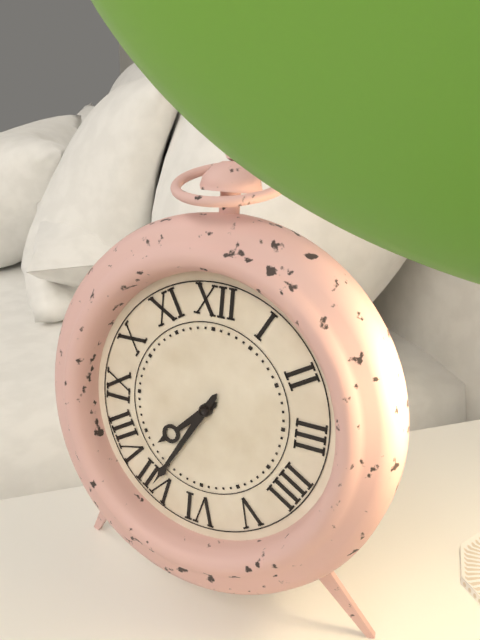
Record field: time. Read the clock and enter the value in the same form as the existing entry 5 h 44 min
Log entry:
7 h 35 min
